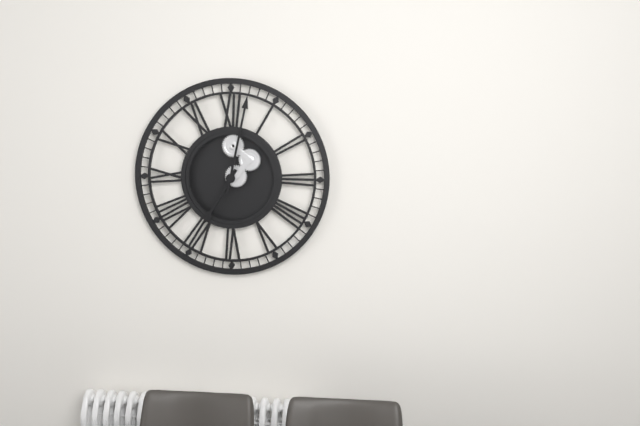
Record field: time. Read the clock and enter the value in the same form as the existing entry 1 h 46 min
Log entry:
7 h 02 min
